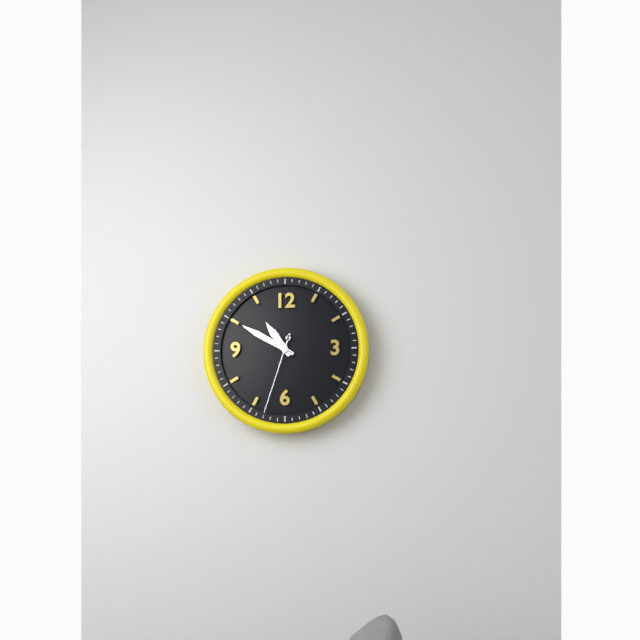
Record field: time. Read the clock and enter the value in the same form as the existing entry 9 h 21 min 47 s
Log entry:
10 h 50 min 33 s
